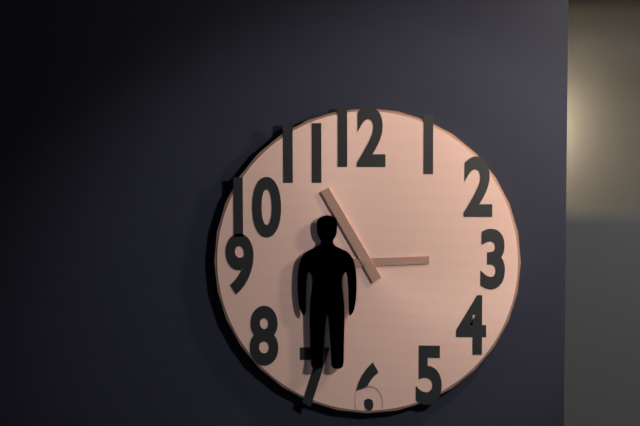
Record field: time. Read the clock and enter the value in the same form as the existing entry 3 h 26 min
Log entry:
2 h 55 min
